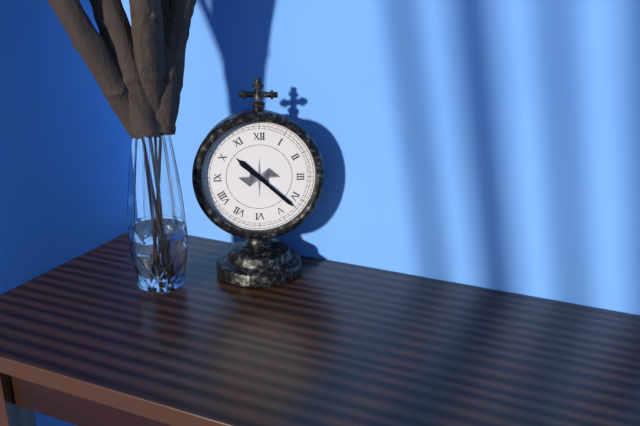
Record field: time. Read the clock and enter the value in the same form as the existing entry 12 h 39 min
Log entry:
10 h 22 min
